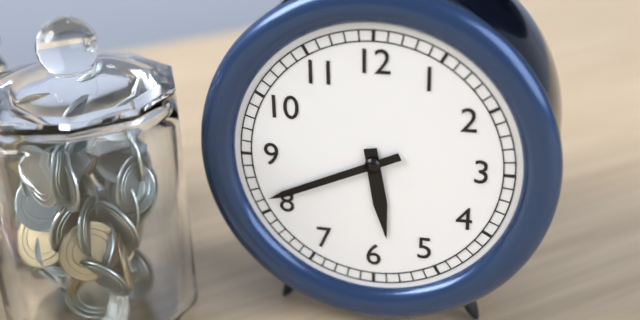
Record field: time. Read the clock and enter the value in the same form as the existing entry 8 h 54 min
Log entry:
5 h 41 min
